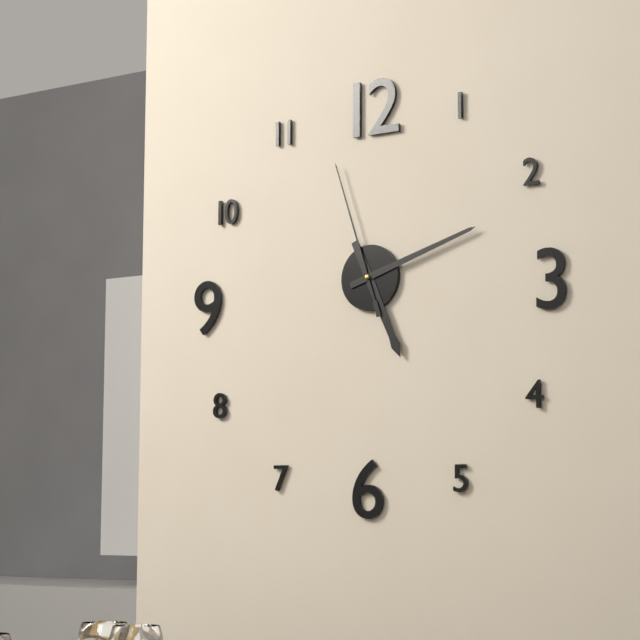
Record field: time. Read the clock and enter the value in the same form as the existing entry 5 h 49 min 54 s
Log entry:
5 h 12 min 57 s
